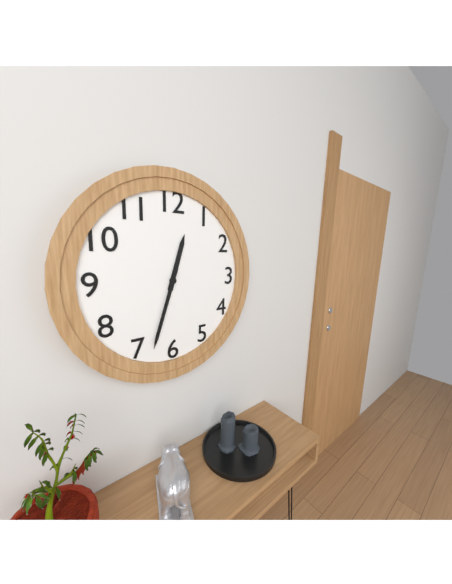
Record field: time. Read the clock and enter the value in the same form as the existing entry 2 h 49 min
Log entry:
12 h 33 min
